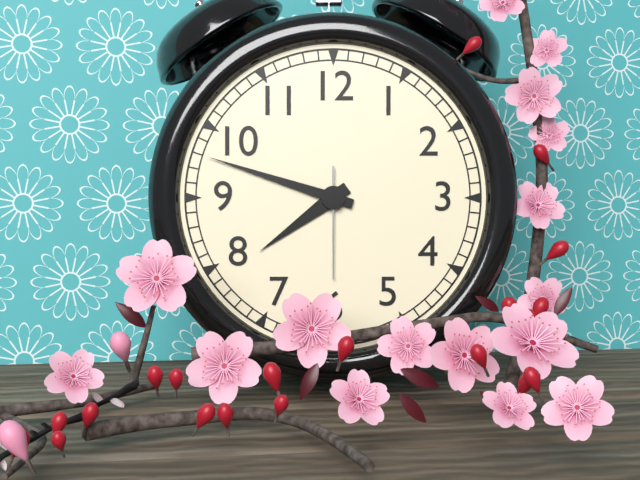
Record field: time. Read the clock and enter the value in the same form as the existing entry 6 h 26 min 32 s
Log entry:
7 h 48 min 30 s
